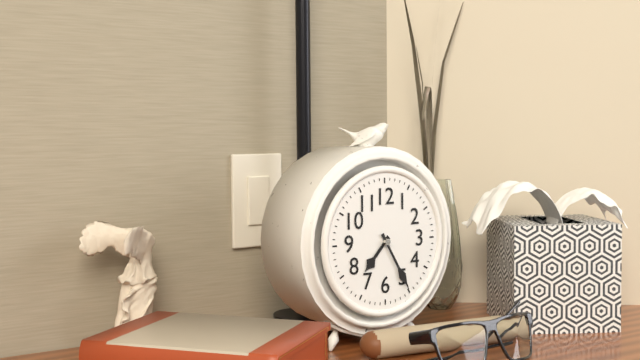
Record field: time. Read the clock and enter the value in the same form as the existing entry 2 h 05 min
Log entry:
7 h 25 min
